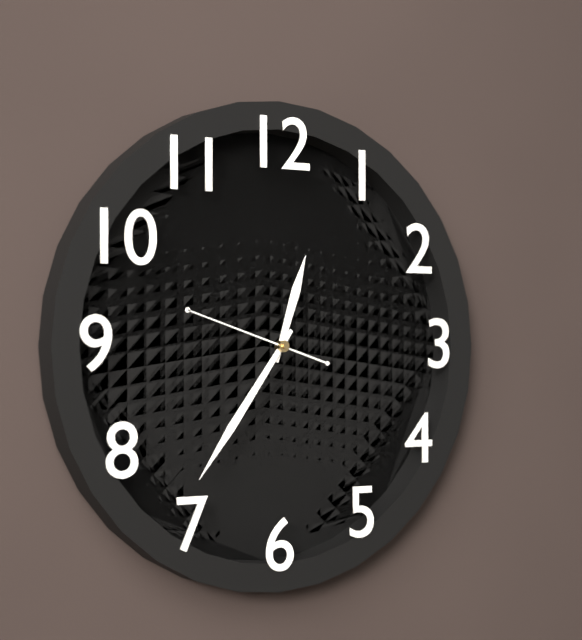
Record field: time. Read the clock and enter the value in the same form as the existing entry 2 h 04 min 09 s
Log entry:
12 h 36 min 48 s
